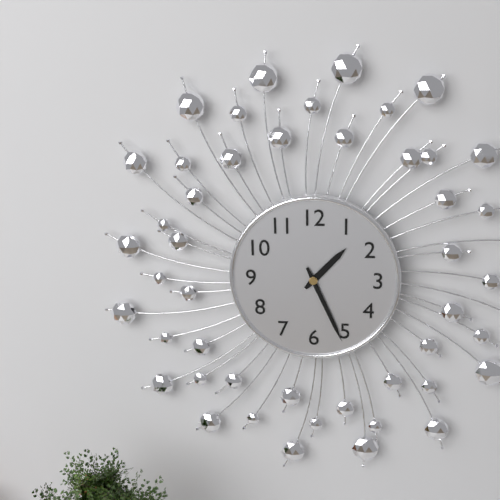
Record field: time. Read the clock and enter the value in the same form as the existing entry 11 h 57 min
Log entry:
1 h 26 min
